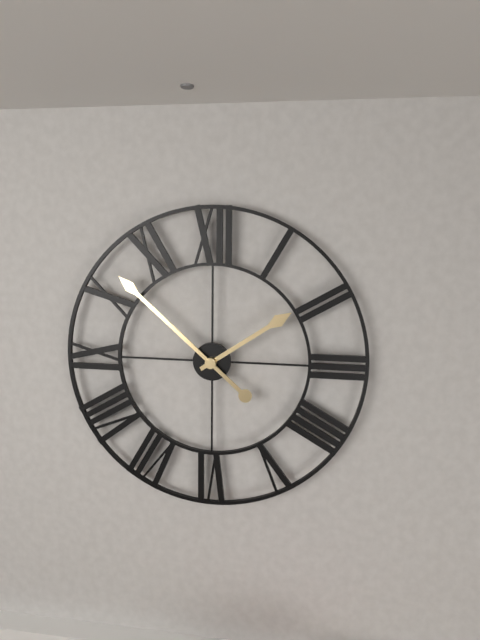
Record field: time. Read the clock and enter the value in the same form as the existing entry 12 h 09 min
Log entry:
1 h 52 min
